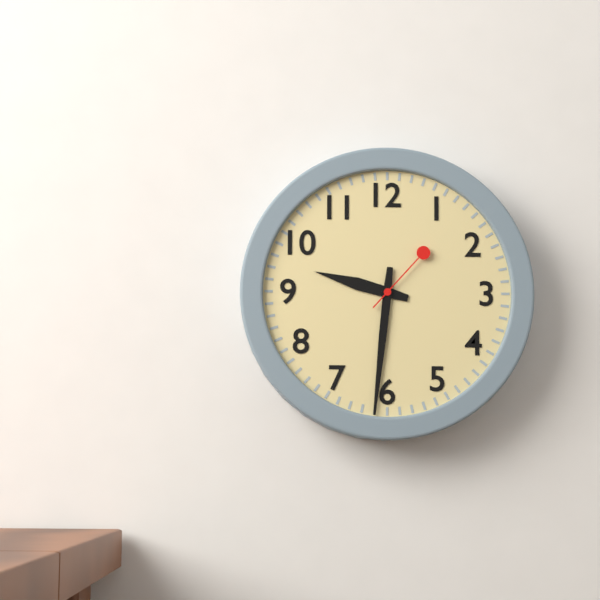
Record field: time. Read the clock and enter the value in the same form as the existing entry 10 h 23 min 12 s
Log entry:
9 h 31 min 07 s
